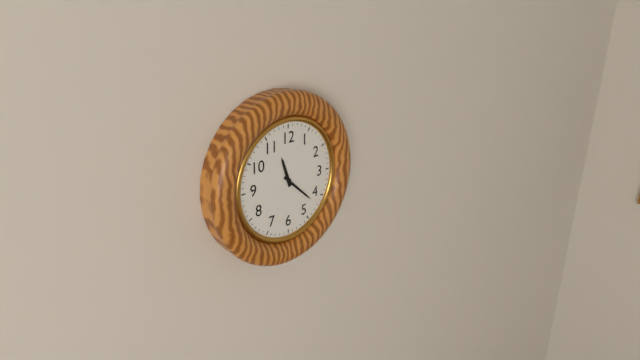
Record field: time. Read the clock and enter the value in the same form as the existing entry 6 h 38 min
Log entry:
11 h 22 min
